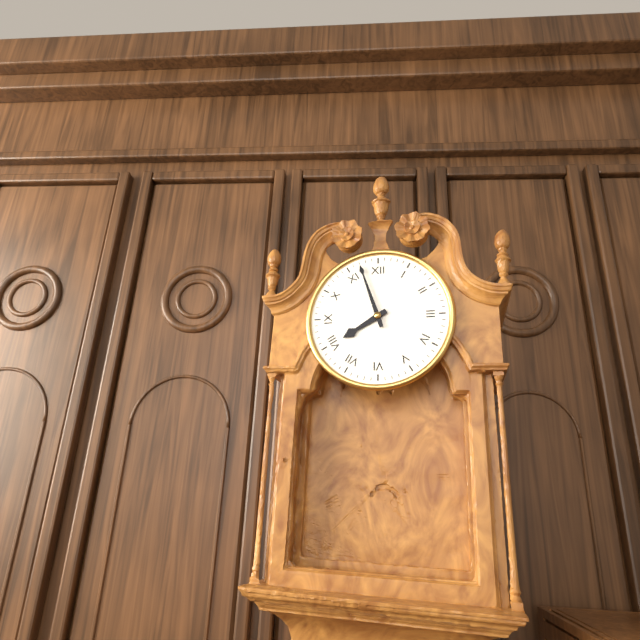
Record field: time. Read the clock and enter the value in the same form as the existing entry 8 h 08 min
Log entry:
7 h 57 min
